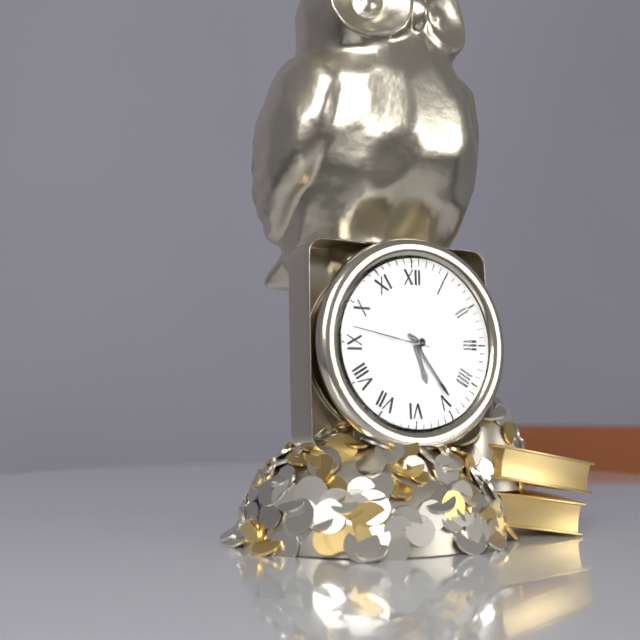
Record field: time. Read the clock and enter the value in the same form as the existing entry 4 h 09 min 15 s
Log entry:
5 h 24 min 47 s
